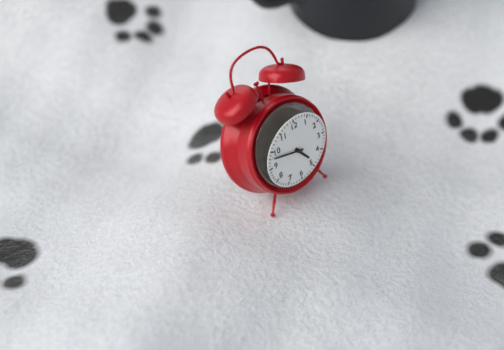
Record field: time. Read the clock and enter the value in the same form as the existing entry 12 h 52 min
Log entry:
4 h 48 min
